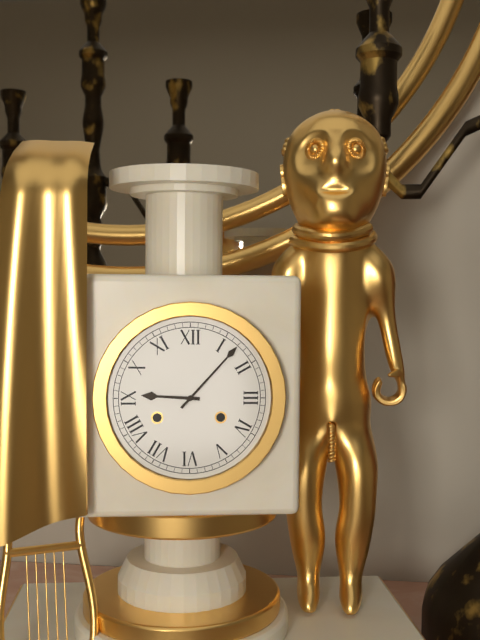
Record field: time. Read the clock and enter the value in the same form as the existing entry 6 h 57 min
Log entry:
9 h 07 min
